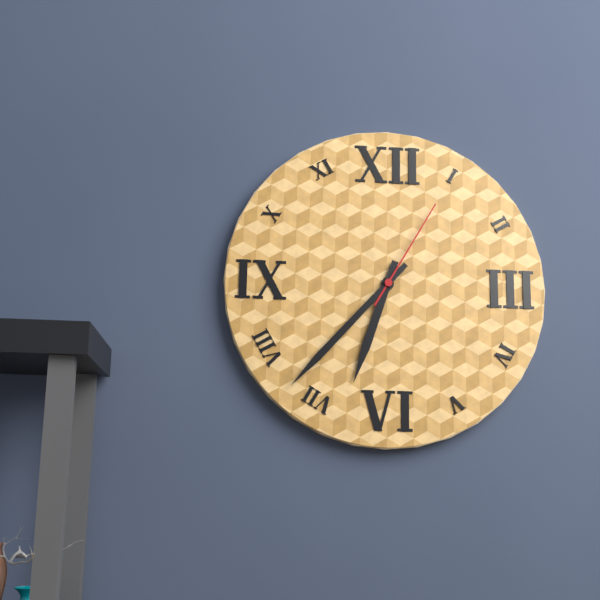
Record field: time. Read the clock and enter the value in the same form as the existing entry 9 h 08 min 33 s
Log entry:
6 h 37 min 05 s
